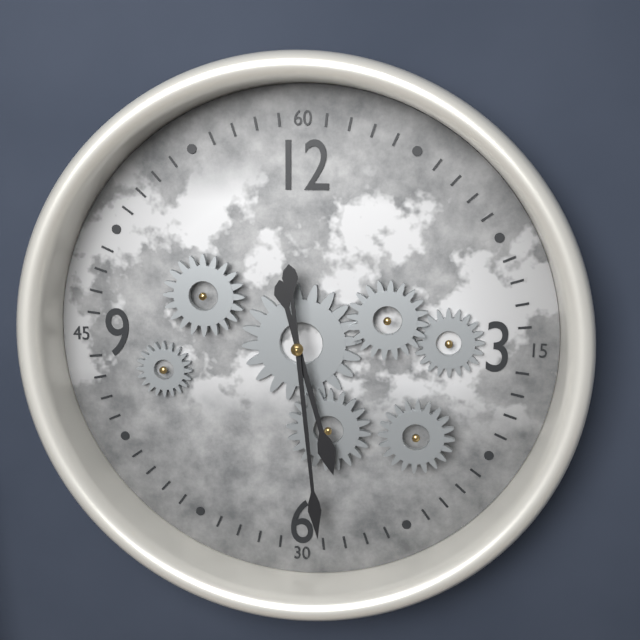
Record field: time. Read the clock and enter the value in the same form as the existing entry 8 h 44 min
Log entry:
5 h 29 min
